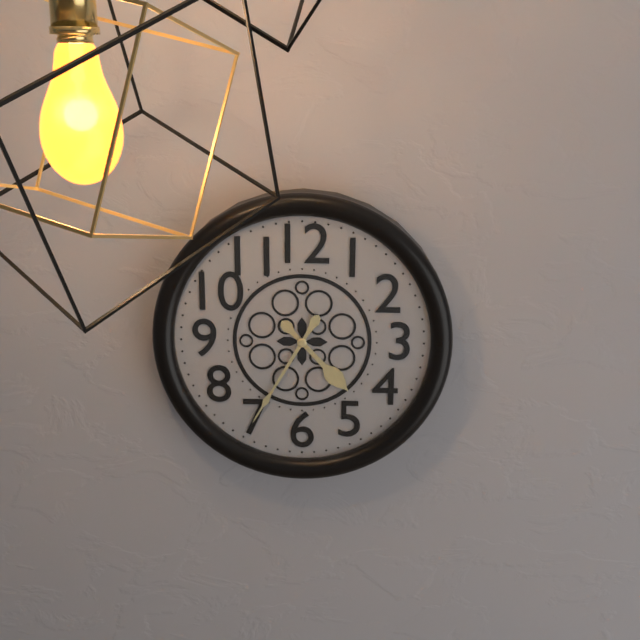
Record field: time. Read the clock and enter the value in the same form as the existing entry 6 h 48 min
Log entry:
4 h 35 min
